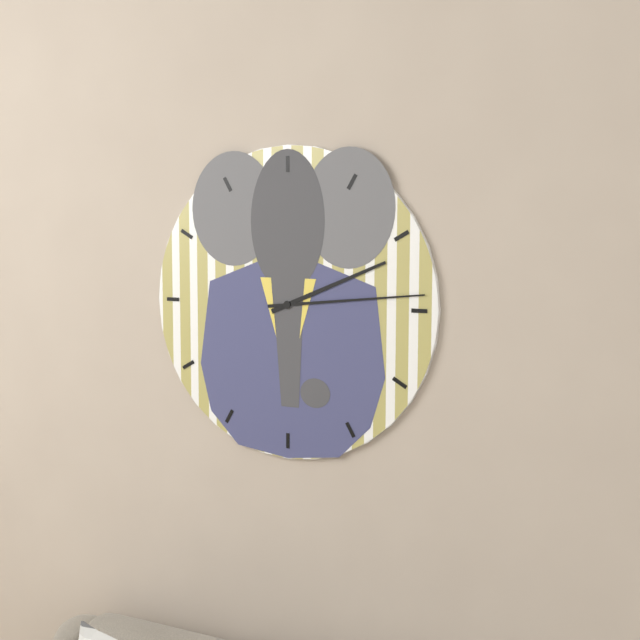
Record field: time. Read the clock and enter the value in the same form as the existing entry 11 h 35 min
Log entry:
2 h 14 min
